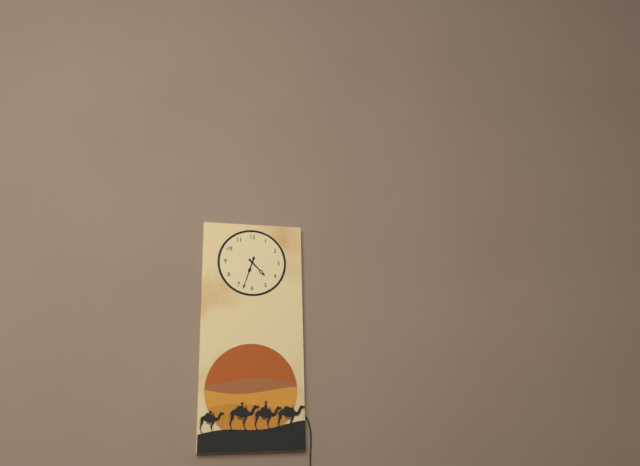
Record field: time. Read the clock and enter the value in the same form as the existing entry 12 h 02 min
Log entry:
4 h 33 min
